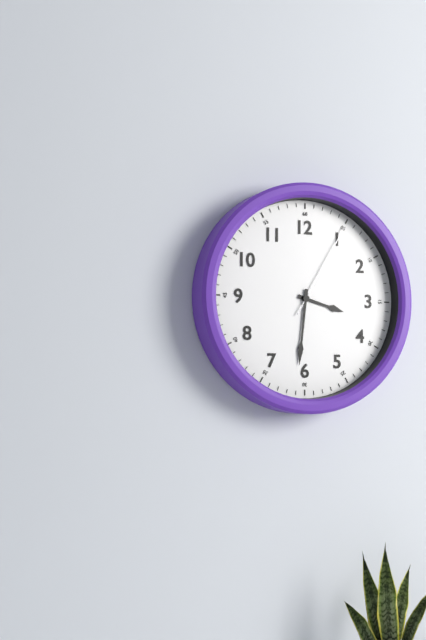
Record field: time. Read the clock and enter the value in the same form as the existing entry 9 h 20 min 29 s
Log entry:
3 h 31 min 05 s
